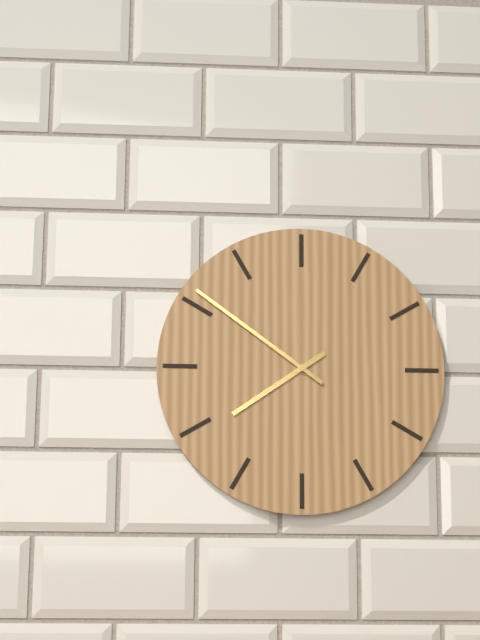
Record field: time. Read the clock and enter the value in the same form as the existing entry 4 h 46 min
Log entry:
7 h 51 min
